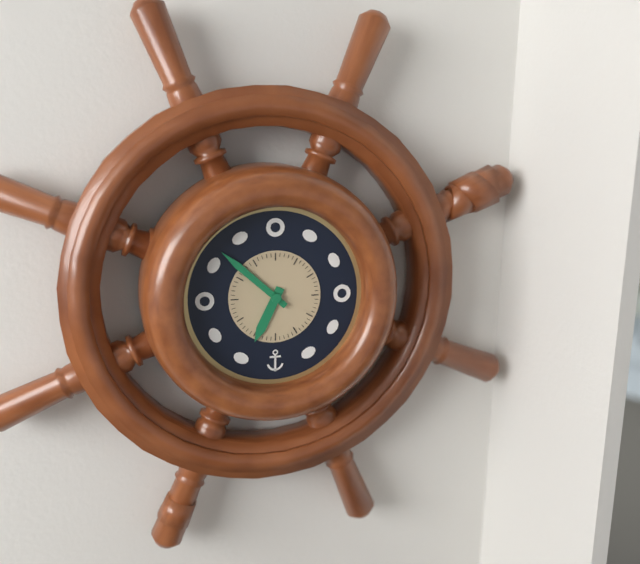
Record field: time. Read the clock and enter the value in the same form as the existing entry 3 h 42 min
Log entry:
6 h 52 min
